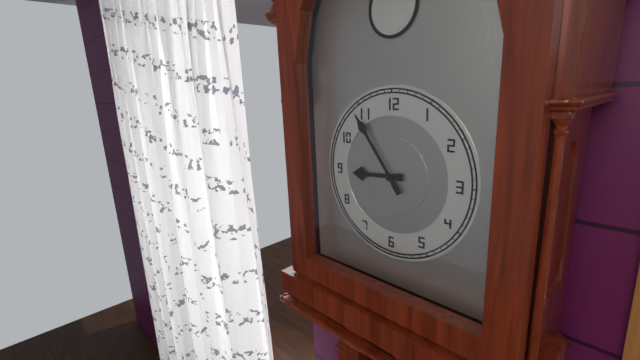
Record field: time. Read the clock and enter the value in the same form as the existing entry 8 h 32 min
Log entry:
8 h 54 min
